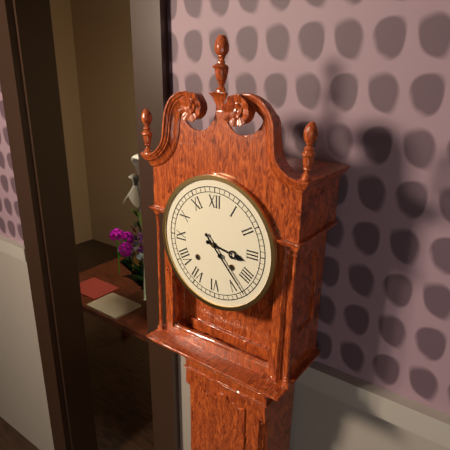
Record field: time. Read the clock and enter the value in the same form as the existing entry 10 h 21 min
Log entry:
3 h 23 min
